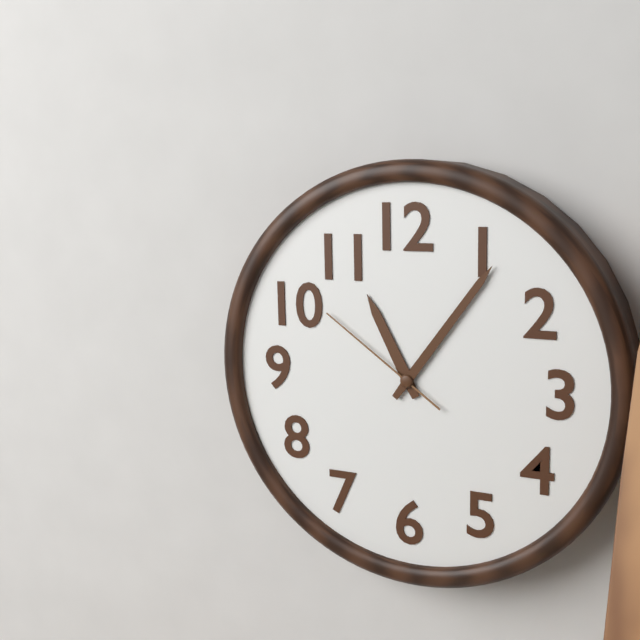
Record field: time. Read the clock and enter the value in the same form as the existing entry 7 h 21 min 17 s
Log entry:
11 h 06 min 51 s
